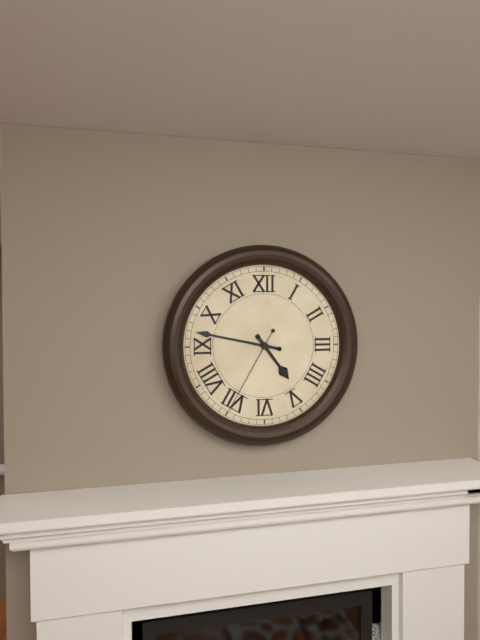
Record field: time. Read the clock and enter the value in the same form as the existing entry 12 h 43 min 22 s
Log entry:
4 h 47 min 35 s
